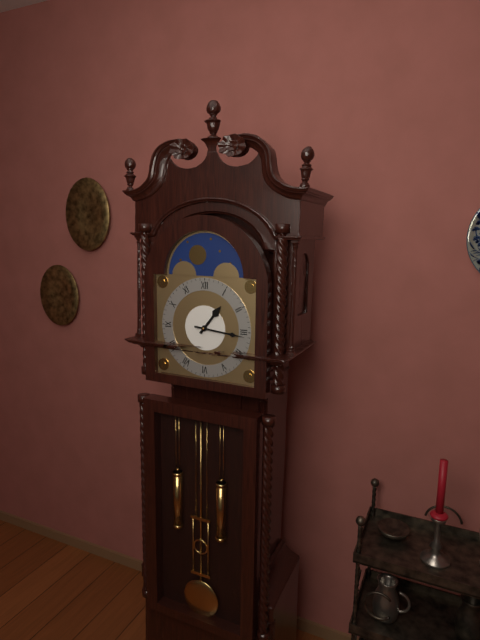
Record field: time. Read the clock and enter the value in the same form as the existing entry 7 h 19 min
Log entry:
1 h 16 min
